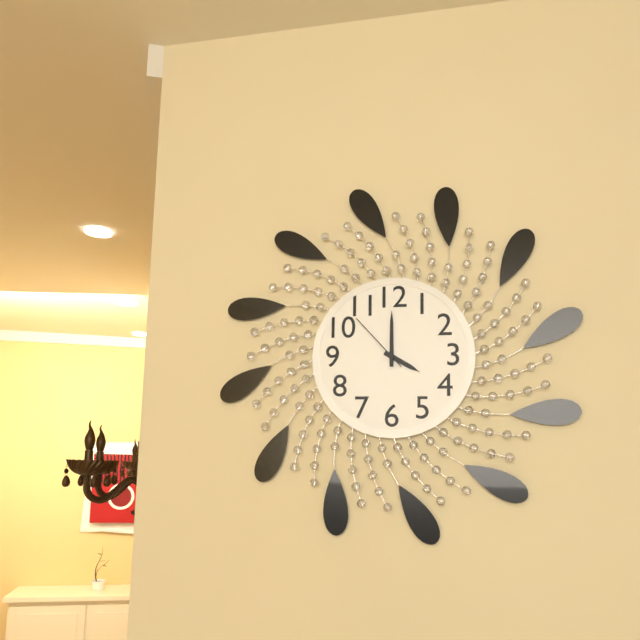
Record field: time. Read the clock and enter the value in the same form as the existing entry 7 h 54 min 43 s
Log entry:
4 h 00 min 53 s
